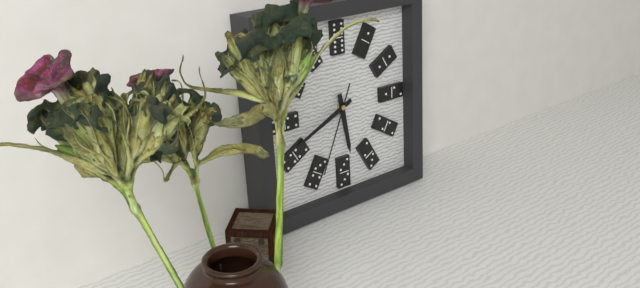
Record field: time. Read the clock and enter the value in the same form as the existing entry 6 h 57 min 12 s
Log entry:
5 h 41 min 34 s
